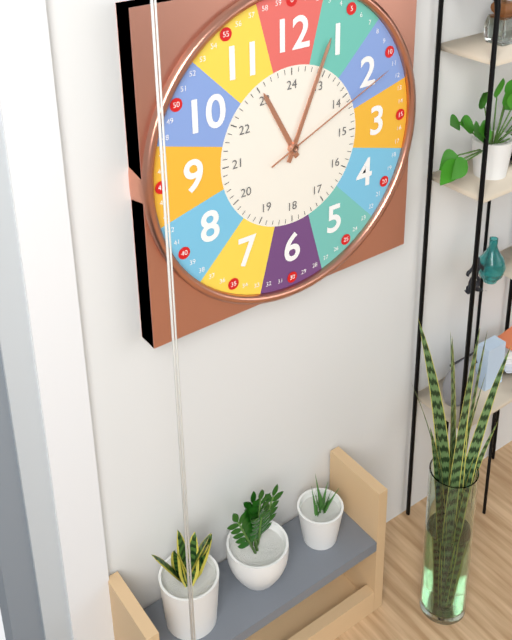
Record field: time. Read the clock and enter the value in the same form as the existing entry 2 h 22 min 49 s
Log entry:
11 h 04 min 11 s
